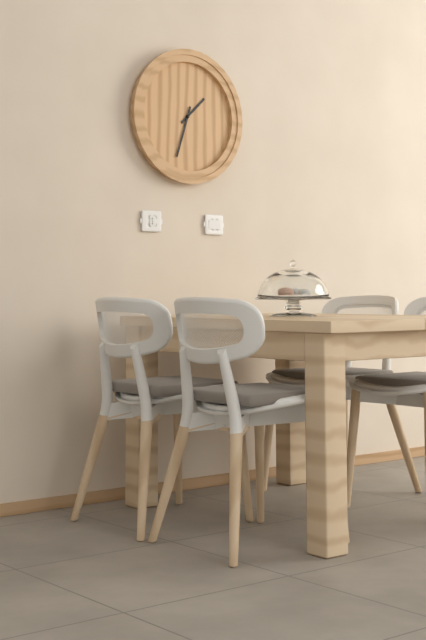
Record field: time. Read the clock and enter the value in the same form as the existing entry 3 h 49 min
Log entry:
1 h 33 min
